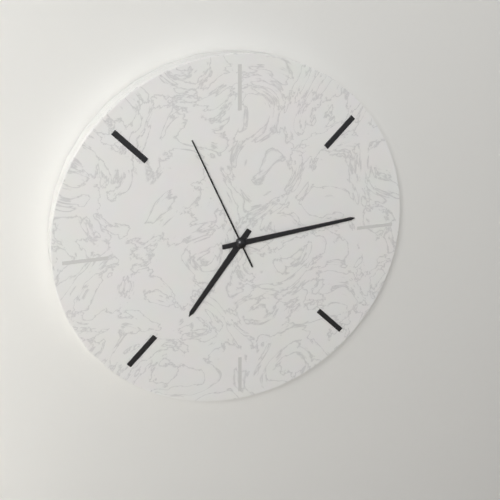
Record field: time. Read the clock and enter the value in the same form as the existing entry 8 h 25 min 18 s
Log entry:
7 h 14 min 56 s
